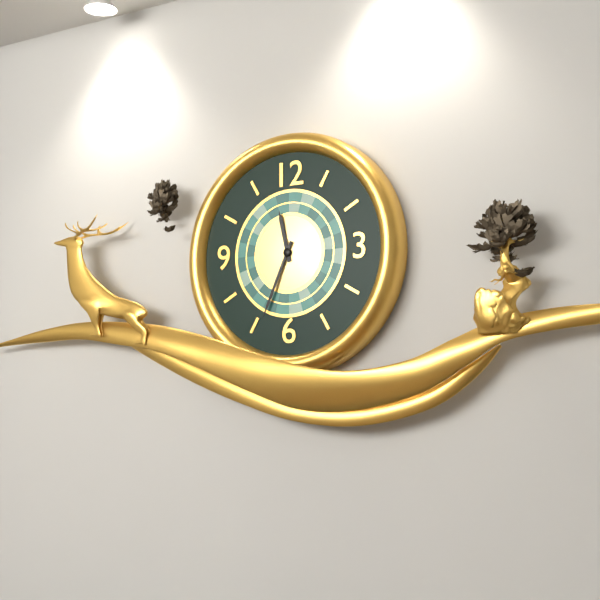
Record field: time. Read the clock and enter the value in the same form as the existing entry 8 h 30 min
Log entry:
11 h 34 min
